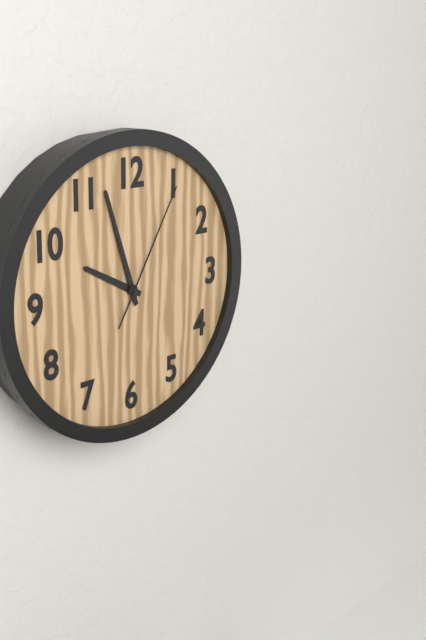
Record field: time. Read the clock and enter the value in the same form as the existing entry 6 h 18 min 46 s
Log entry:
9 h 57 min 05 s
